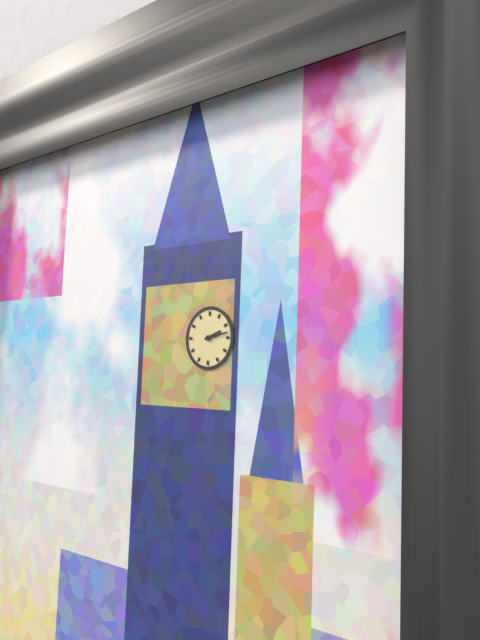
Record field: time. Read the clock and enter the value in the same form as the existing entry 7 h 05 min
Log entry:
2 h 13 min
